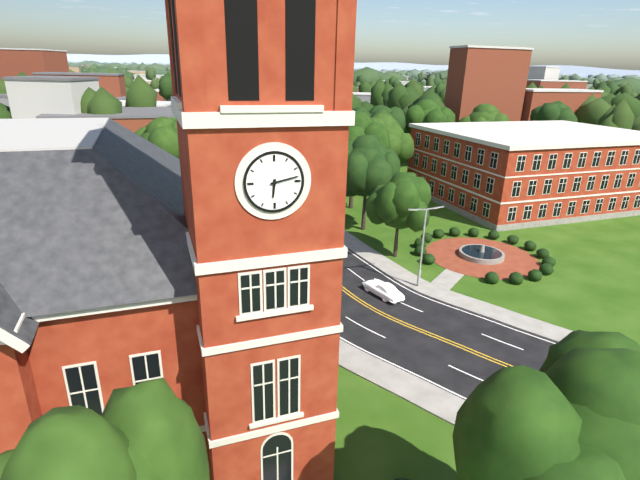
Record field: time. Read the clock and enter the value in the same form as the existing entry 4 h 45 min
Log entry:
6 h 13 min
